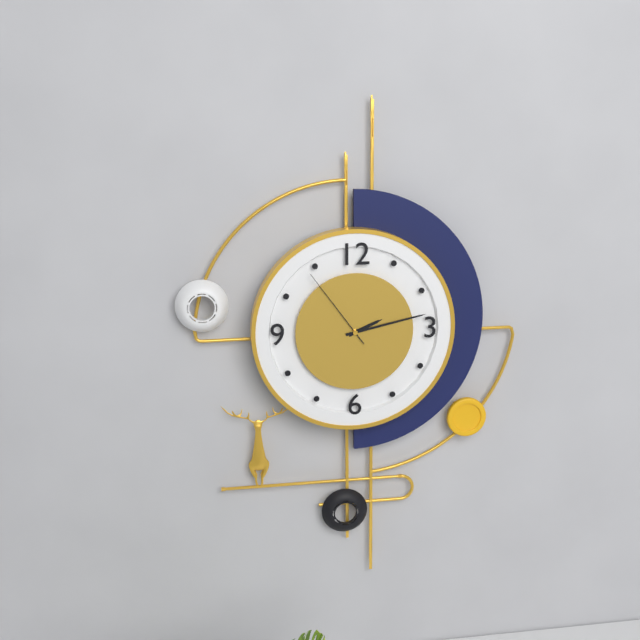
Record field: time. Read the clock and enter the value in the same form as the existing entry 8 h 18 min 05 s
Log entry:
2 h 13 min 54 s
